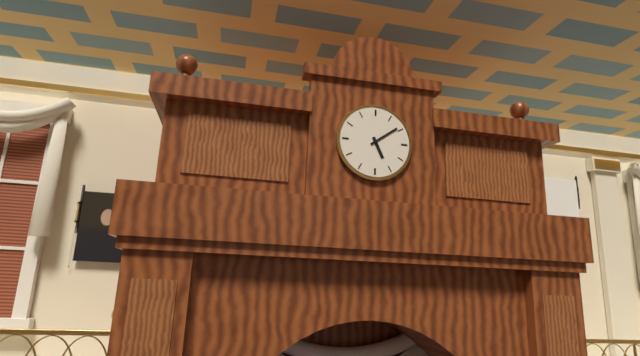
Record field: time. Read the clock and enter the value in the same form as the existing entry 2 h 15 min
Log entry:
5 h 09 min
